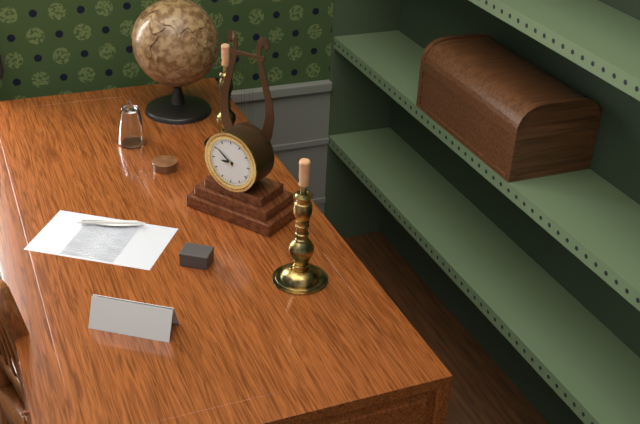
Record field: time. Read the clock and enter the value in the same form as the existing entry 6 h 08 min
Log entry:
8 h 51 min
